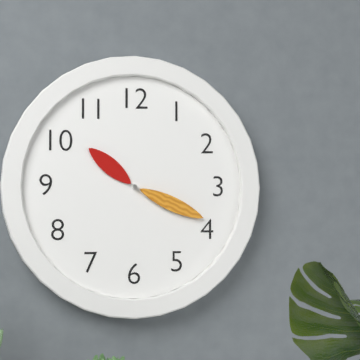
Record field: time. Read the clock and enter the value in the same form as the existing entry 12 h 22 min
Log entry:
10 h 19 min
